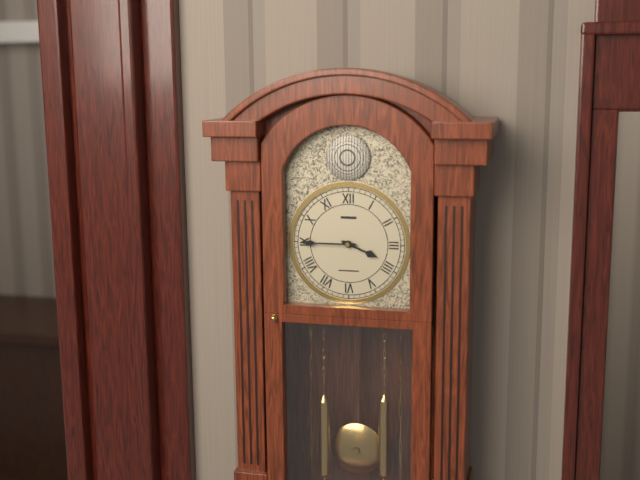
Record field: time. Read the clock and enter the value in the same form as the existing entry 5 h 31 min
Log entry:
3 h 45 min
